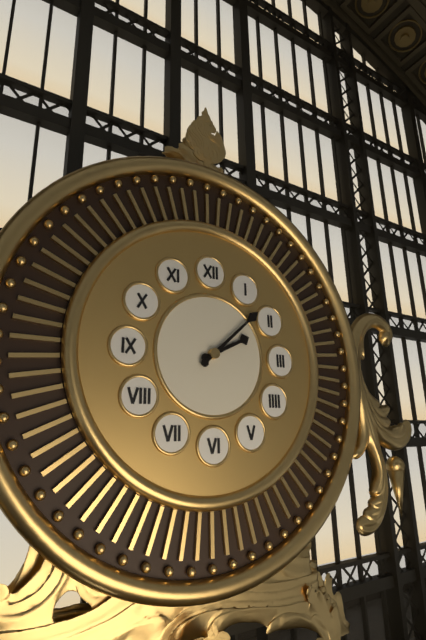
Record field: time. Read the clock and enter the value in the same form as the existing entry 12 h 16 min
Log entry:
2 h 08 min
